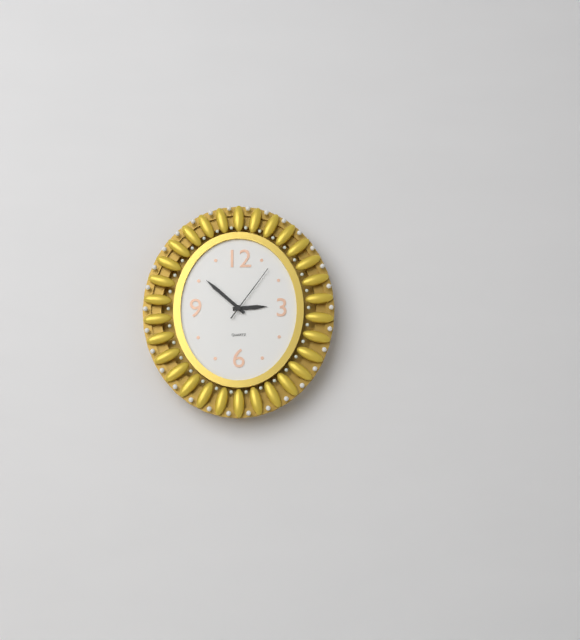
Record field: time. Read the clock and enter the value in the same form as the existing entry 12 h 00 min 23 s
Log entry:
2 h 52 min 06 s
